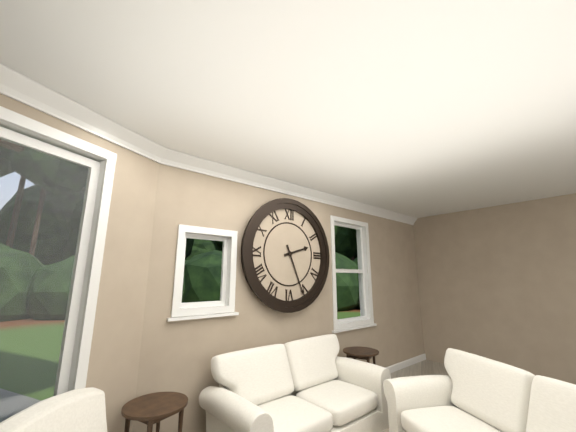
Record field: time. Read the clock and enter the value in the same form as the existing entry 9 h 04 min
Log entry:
2 h 26 min
